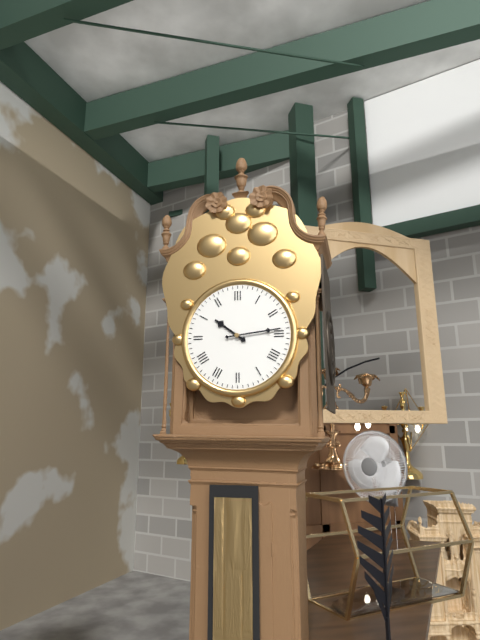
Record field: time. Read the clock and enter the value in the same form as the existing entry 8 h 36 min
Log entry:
10 h 14 min
